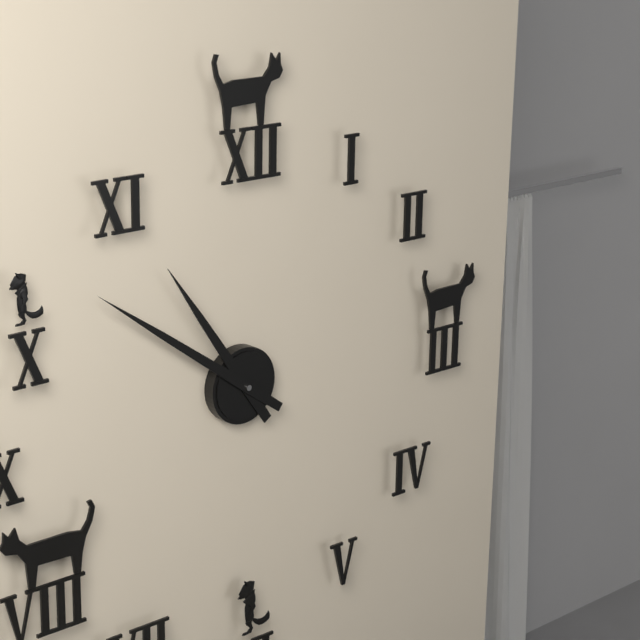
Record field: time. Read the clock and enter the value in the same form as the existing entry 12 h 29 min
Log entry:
10 h 51 min
